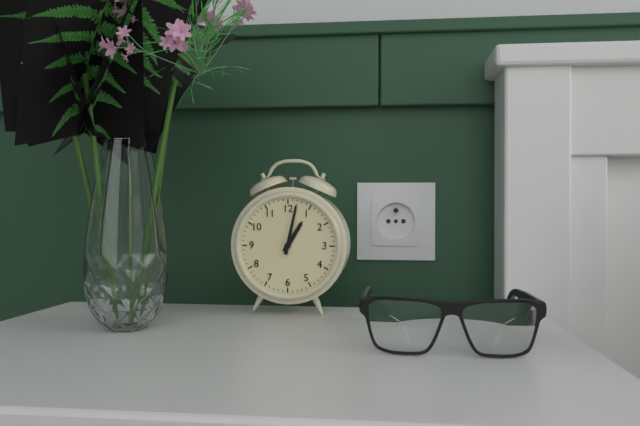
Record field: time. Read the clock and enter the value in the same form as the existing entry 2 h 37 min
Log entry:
1 h 02 min
